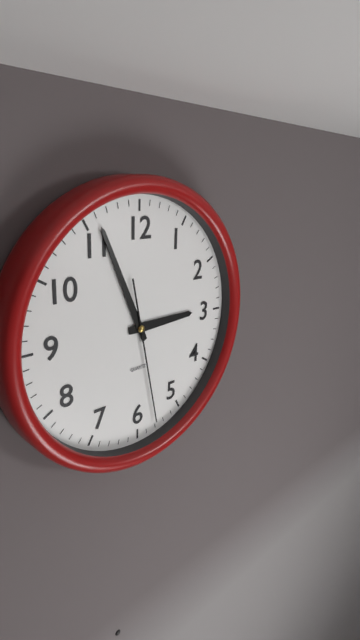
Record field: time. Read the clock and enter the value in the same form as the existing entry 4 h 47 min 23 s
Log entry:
2 h 56 min 28 s
